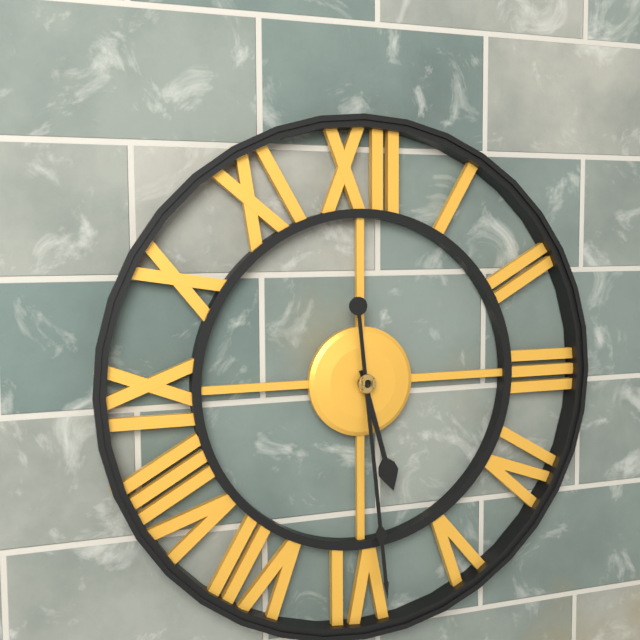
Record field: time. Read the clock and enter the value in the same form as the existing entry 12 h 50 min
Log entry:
5 h 29 min
